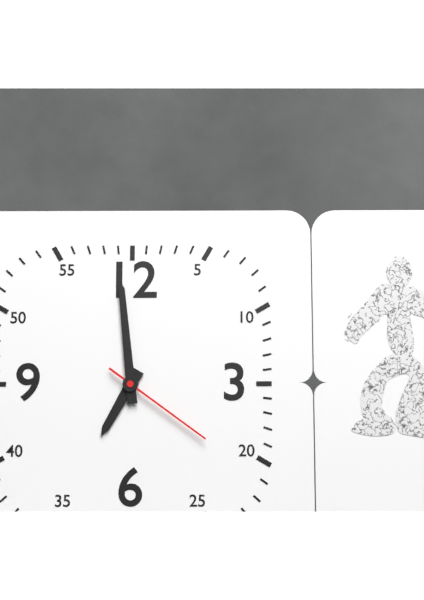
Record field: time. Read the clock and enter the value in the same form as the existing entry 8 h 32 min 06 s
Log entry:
6 h 59 min 21 s
